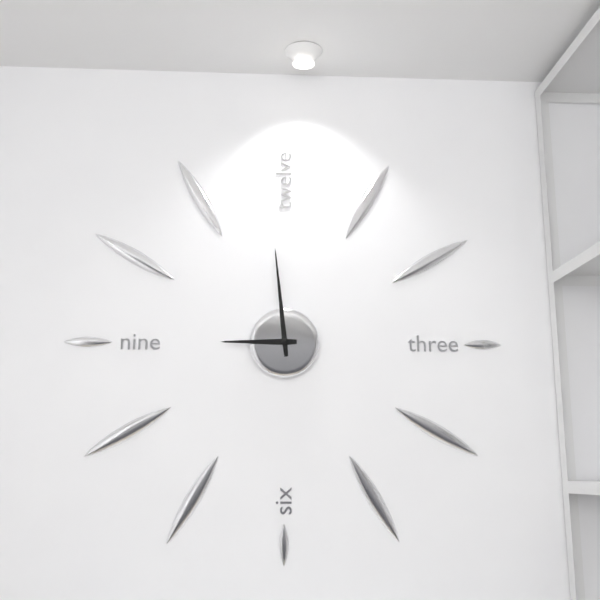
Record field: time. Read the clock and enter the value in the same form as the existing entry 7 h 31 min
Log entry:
8 h 59 min
